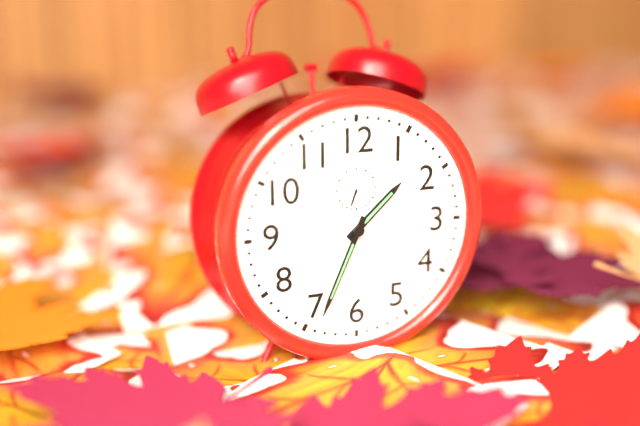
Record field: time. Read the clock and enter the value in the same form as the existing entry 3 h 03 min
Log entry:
1 h 34 min
